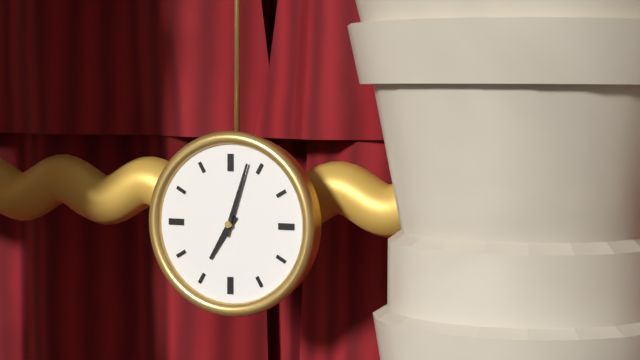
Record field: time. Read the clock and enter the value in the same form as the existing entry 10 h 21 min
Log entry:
7 h 03 min
